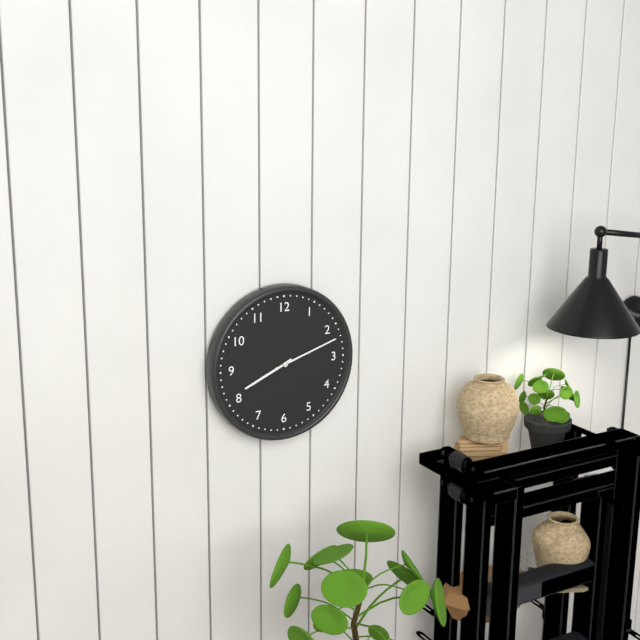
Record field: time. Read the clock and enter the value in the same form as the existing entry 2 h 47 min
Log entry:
8 h 12 min
